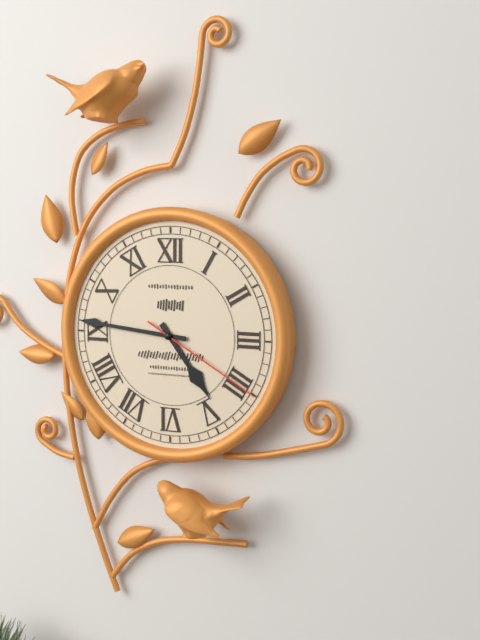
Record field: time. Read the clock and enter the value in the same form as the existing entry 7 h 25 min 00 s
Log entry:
4 h 46 min 20 s
